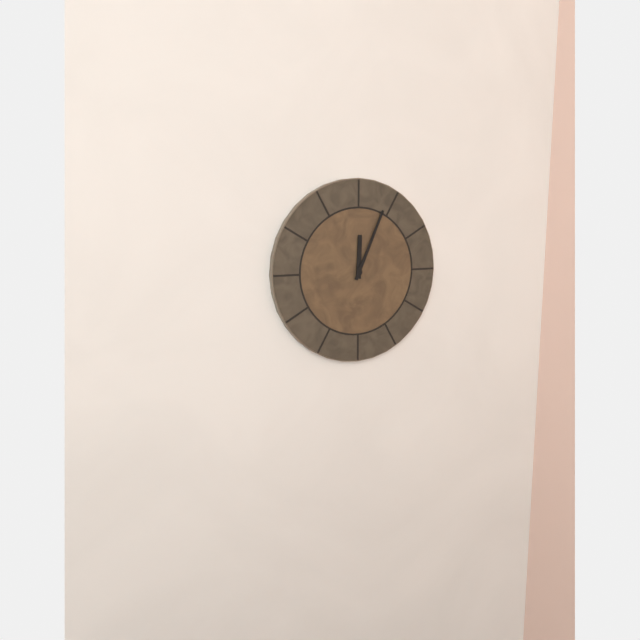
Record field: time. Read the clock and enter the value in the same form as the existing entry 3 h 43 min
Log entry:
12 h 04 min
